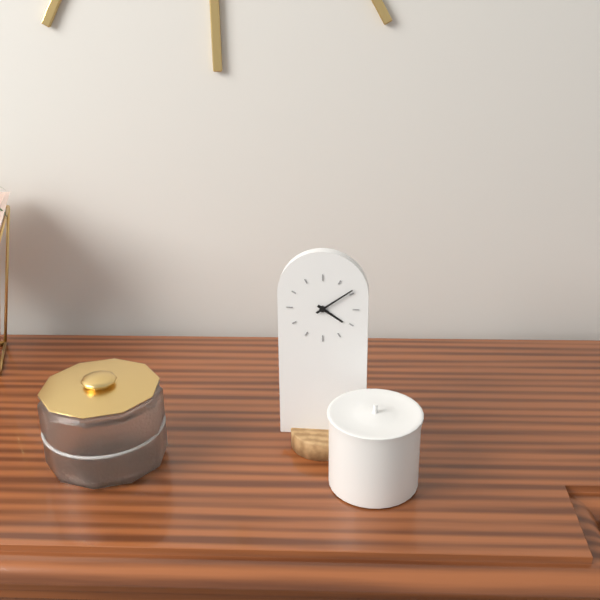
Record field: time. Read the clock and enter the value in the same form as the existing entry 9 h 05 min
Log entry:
4 h 09 min
